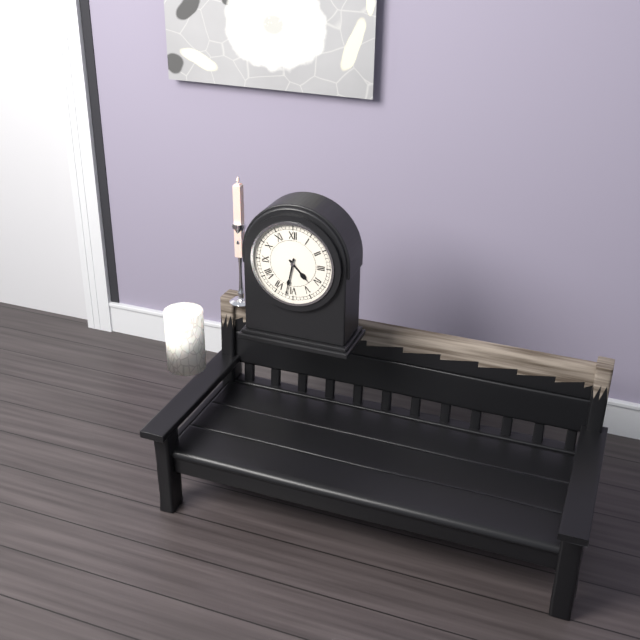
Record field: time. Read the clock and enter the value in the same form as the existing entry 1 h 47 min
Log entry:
4 h 32 min
